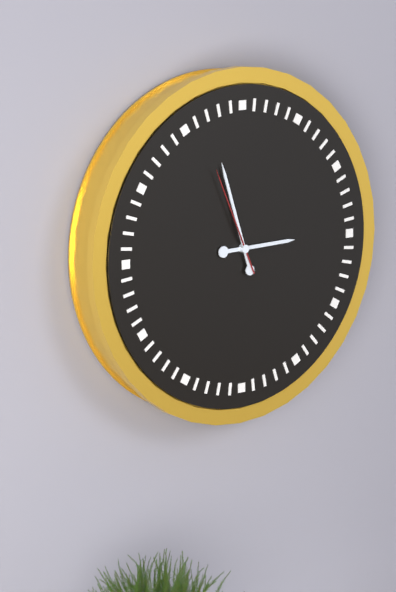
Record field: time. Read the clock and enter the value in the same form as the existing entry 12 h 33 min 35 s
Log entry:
2 h 57 min 56 s
